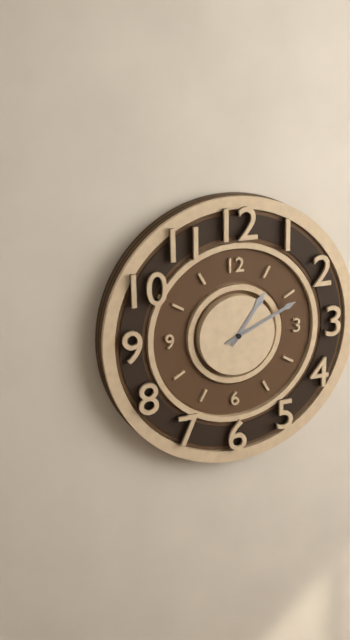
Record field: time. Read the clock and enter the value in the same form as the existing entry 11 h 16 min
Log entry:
1 h 11 min
